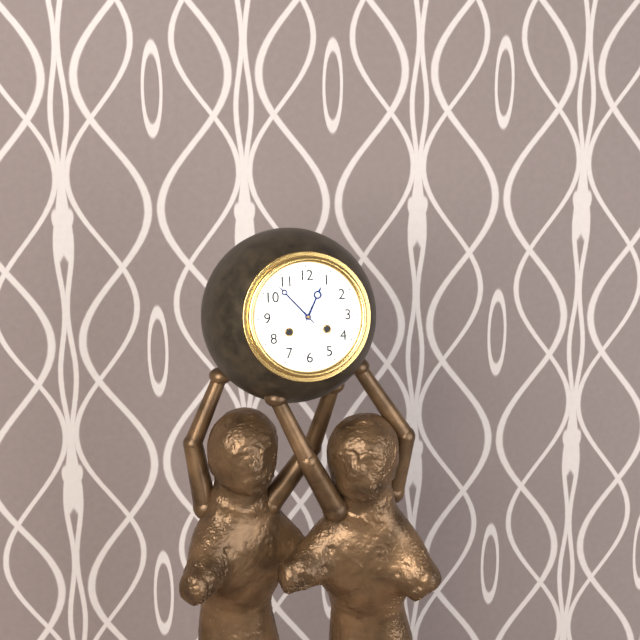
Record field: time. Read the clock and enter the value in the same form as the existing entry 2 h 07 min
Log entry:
12 h 53 min
